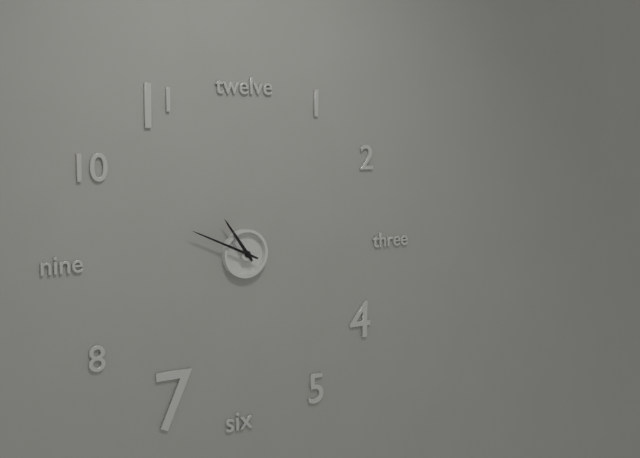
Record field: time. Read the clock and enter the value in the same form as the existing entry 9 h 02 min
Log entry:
10 h 49 min
